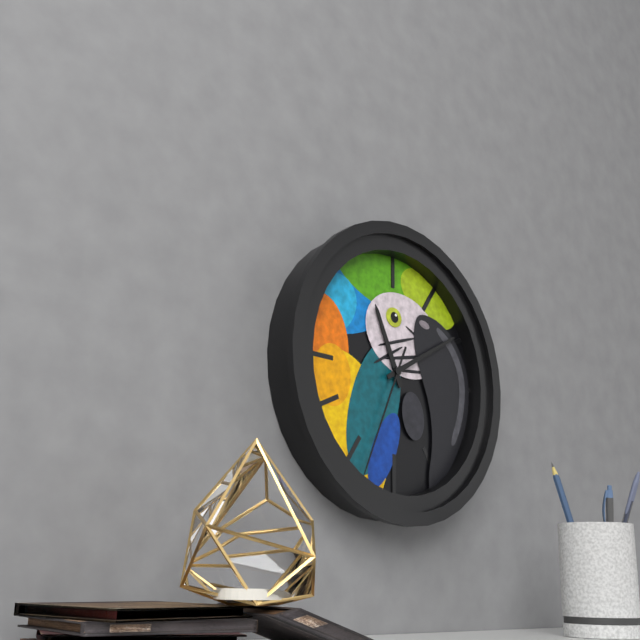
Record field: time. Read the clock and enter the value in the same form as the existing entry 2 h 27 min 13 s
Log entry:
11 h 10 min 34 s
